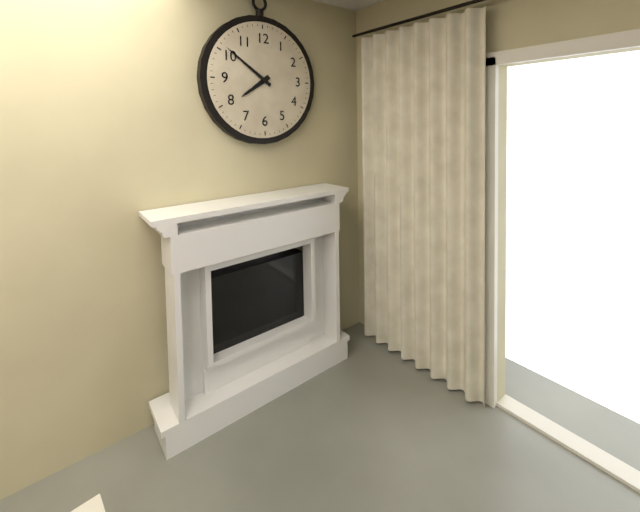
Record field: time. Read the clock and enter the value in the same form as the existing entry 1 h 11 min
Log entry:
7 h 51 min
